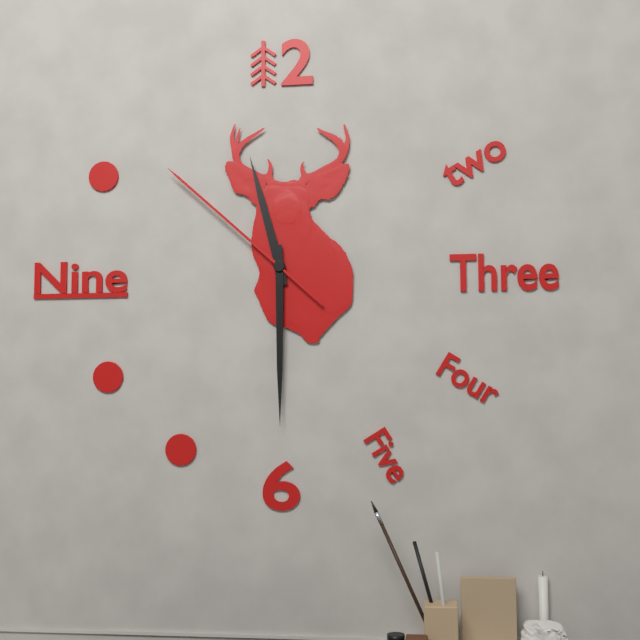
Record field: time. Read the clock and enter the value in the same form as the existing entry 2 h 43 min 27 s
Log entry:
11 h 30 min 52 s
